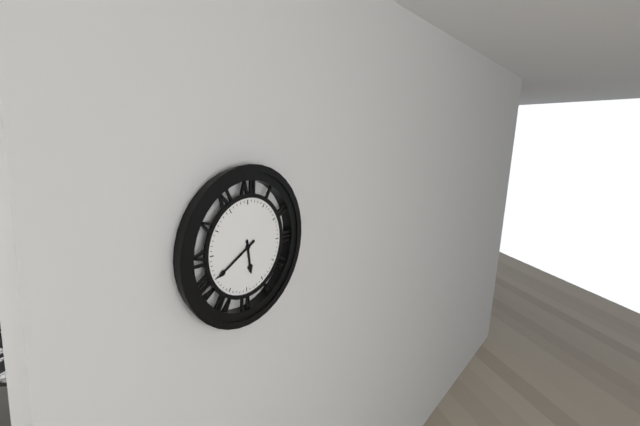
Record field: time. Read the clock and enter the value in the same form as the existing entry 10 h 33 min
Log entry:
5 h 40 min
